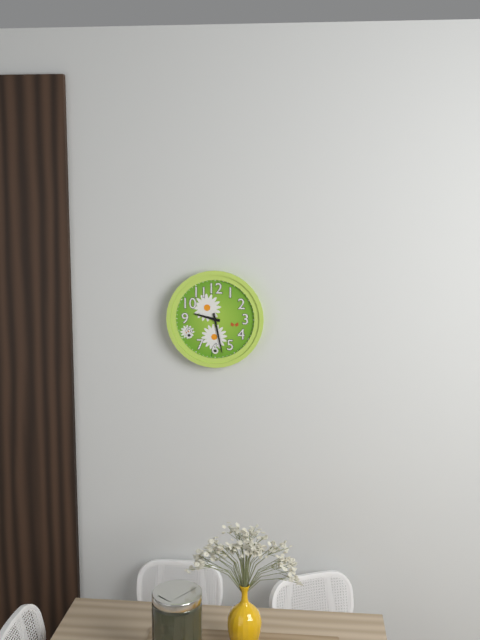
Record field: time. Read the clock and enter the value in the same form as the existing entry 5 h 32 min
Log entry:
9 h 28 min
